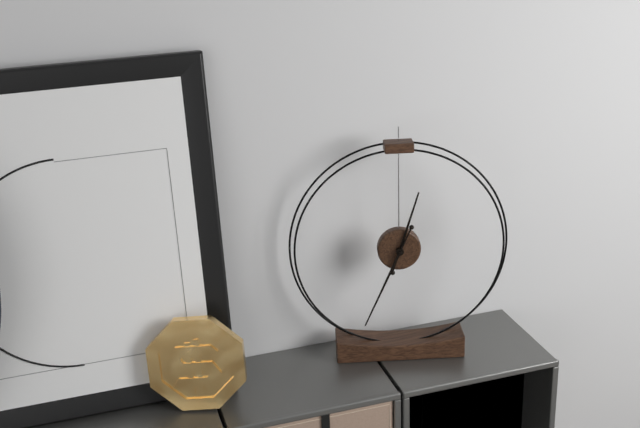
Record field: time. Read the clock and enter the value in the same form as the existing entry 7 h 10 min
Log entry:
12 h 34 min
